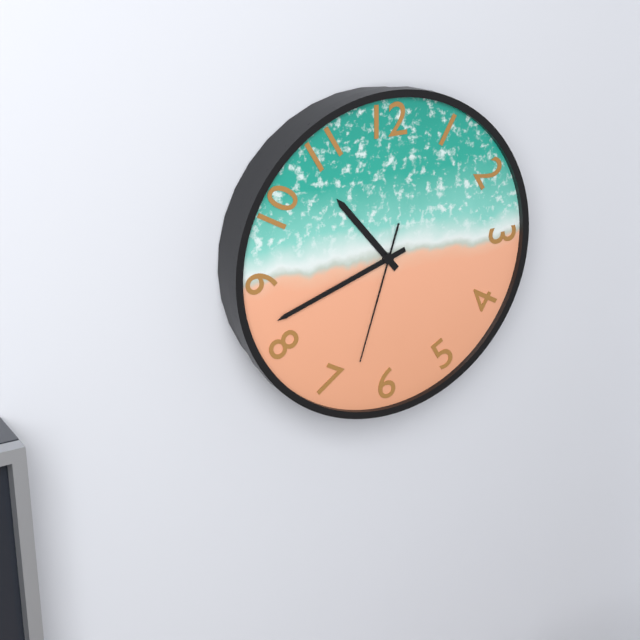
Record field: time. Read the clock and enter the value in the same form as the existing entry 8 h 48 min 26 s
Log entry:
10 h 42 min 33 s
